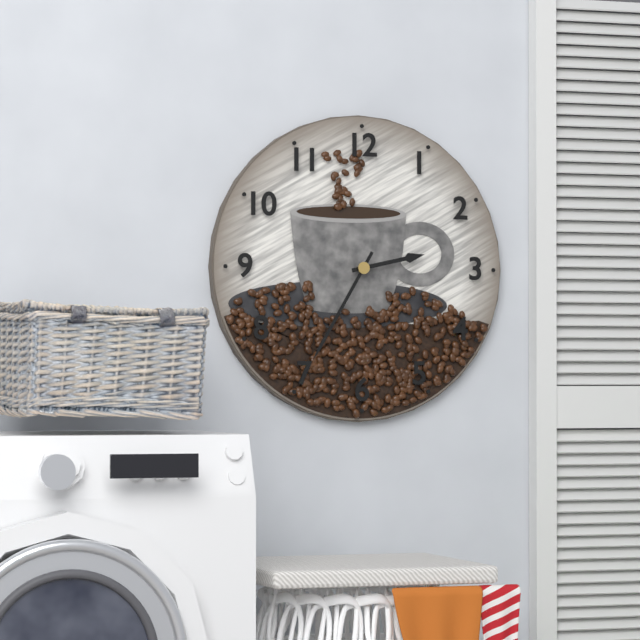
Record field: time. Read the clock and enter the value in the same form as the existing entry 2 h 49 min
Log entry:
2 h 35 min
